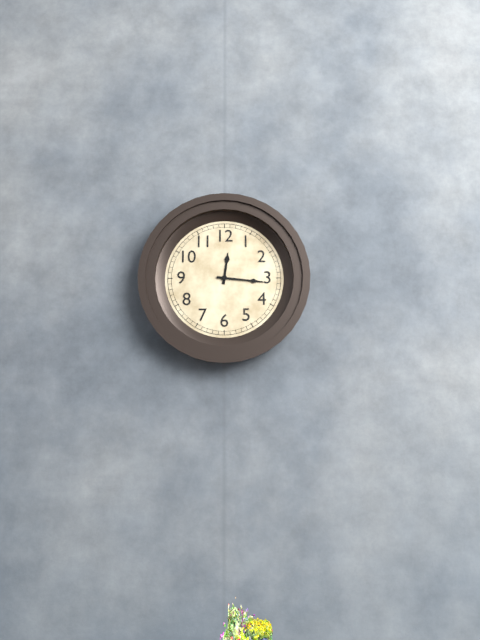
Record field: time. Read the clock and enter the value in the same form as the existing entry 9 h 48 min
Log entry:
12 h 16 min
